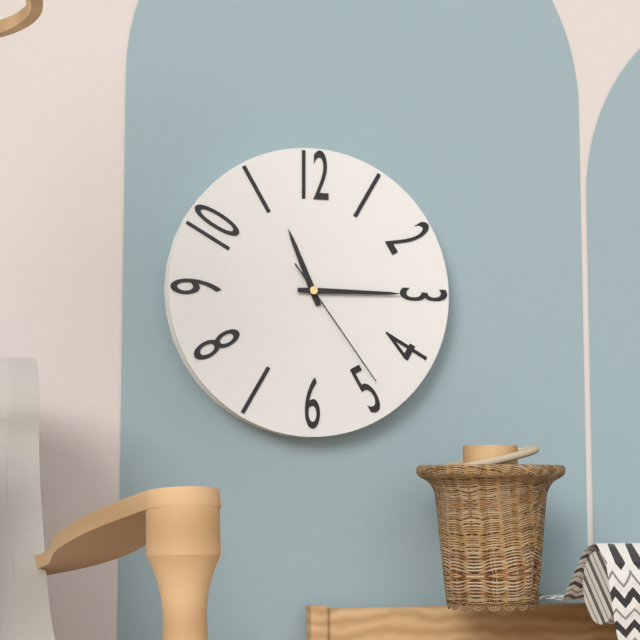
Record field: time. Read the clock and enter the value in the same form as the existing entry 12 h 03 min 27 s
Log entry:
11 h 15 min 24 s
